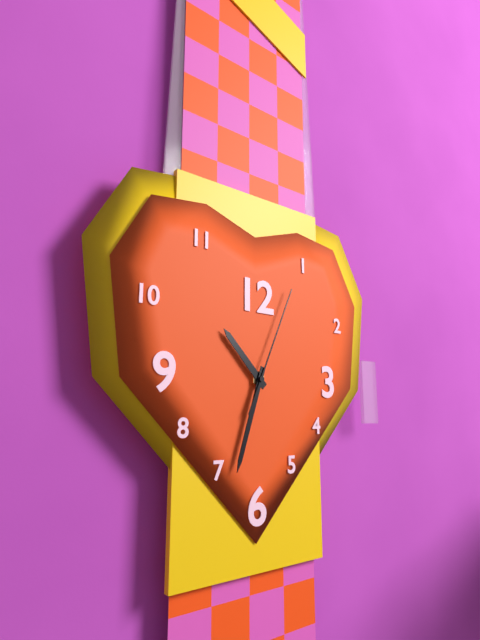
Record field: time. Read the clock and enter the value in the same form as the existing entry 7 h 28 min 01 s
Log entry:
10 h 33 min 04 s
